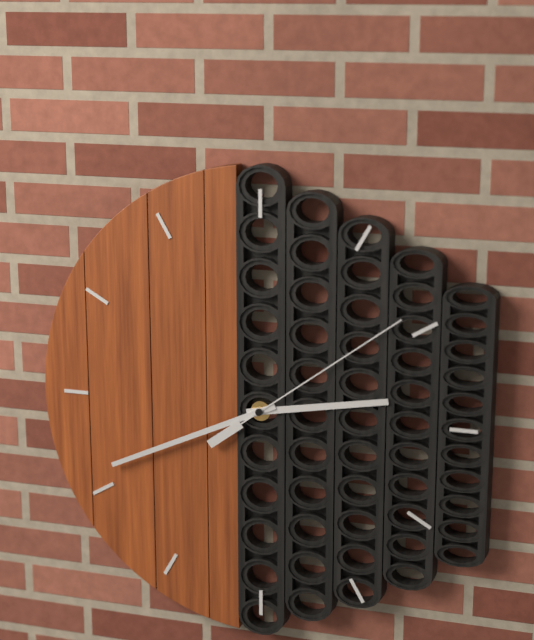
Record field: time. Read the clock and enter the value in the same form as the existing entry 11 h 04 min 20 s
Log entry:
2 h 41 min 09 s
